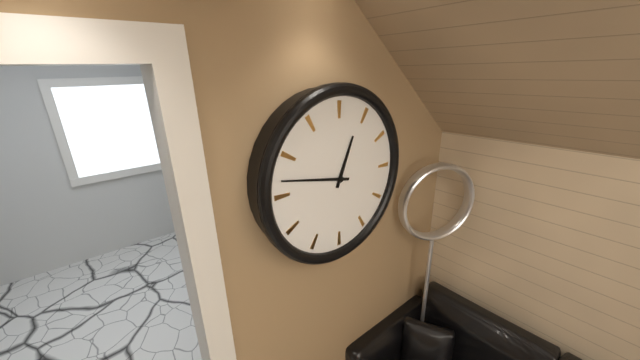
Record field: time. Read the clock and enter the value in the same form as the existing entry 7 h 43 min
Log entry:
12 h 47 min
